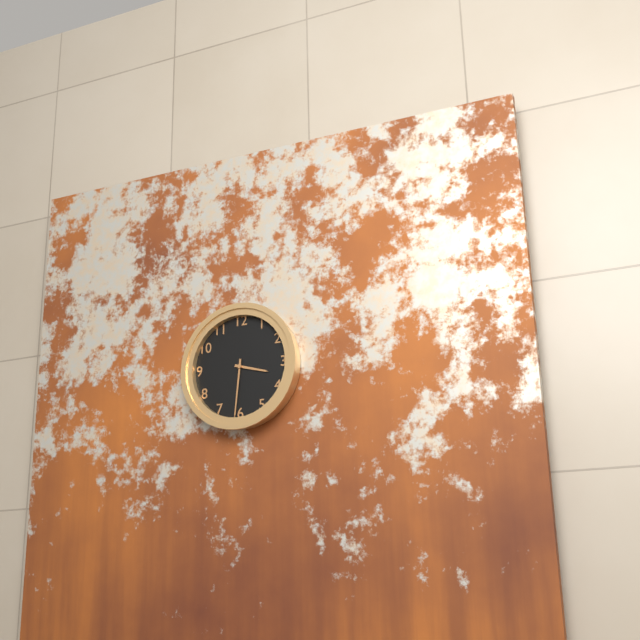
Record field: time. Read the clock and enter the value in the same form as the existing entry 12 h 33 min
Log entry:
3 h 31 min
